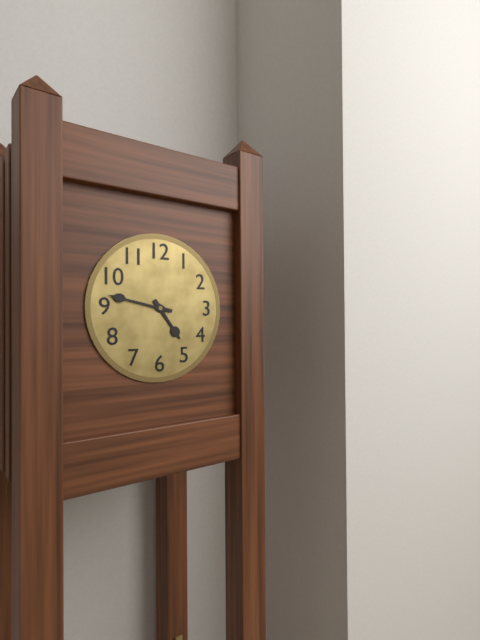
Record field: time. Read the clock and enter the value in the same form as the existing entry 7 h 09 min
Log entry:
4 h 47 min
